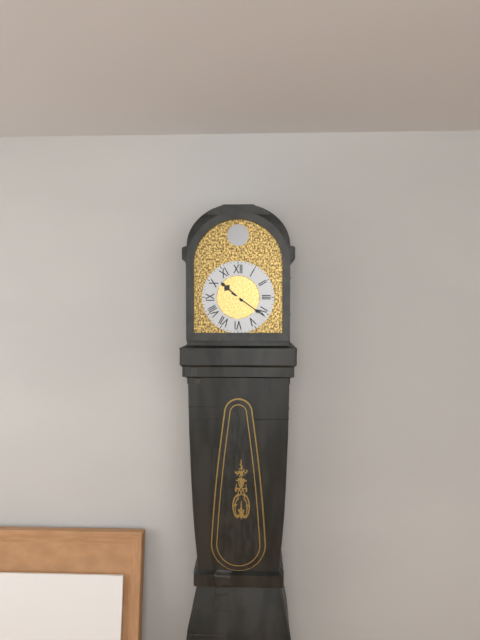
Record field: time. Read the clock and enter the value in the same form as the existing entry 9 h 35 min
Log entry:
10 h 21 min
